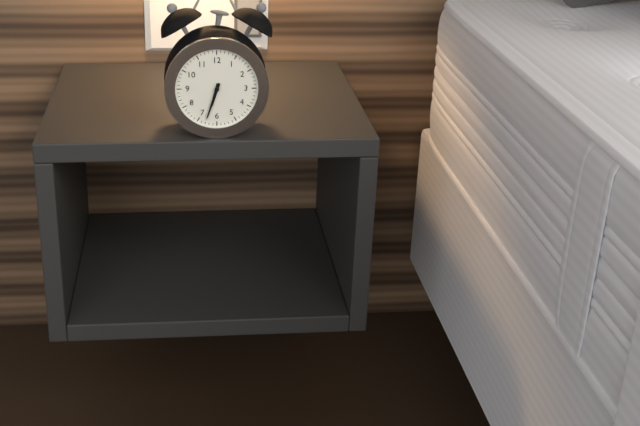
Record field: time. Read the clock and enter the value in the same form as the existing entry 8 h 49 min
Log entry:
6 h 33 min
